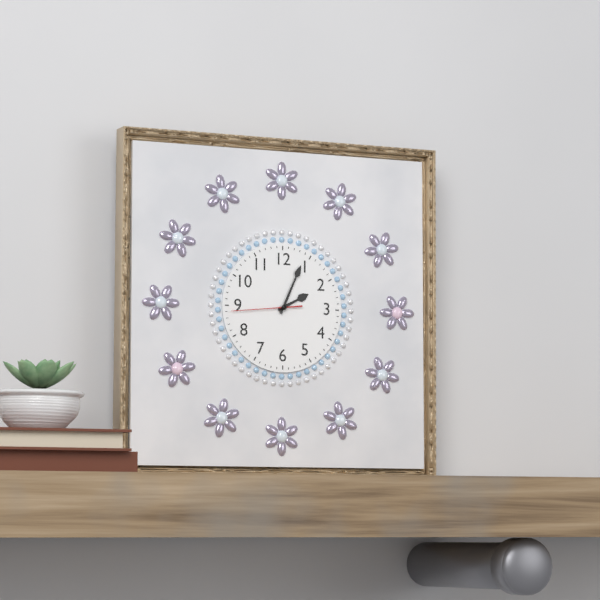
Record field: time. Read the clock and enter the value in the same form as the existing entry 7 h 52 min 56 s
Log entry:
2 h 04 min 44 s
